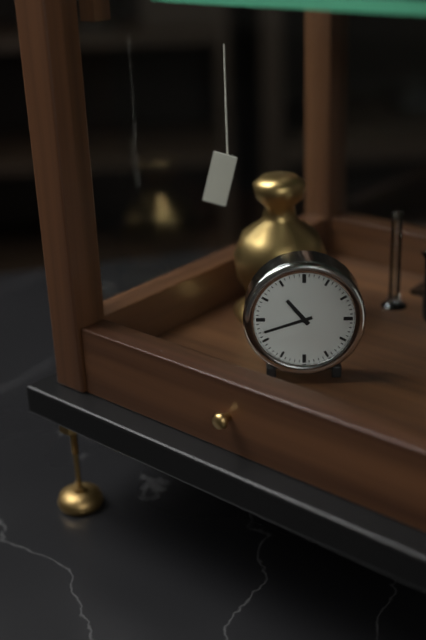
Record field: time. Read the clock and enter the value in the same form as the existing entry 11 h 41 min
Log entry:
10 h 42 min
